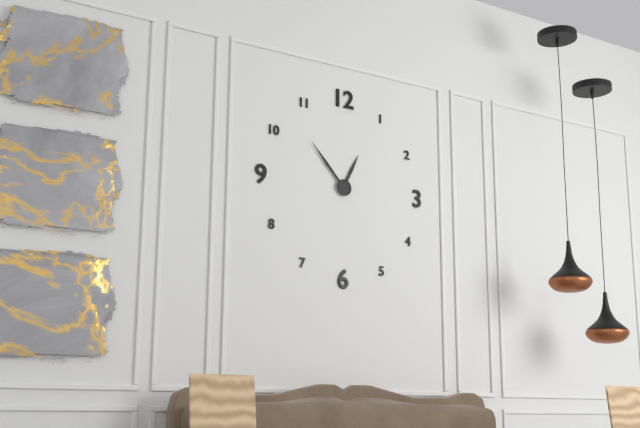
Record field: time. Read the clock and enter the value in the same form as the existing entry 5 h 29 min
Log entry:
12 h 53 min
